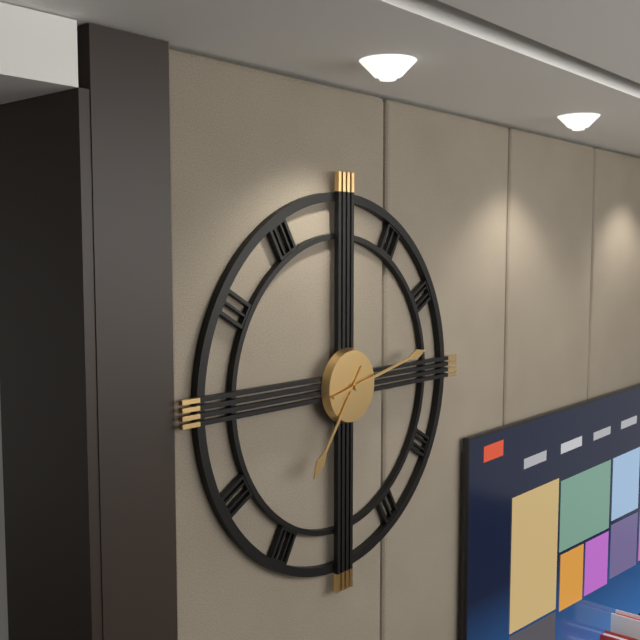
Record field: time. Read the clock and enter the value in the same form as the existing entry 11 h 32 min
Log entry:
7 h 13 min
